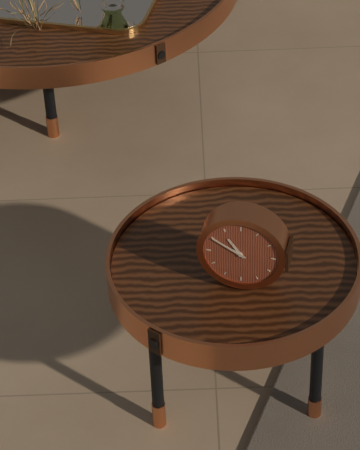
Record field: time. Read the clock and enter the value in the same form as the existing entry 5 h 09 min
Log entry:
10 h 50 min
